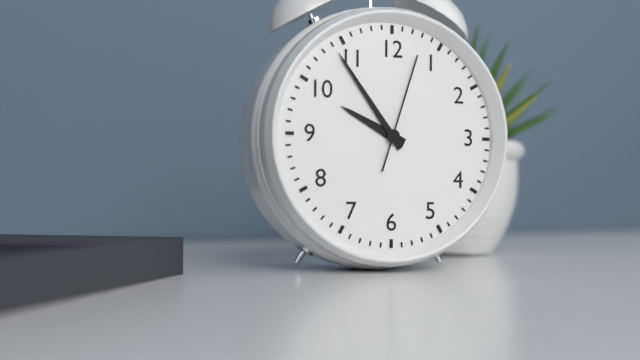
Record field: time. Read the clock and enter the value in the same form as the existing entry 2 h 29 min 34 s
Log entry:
9 h 54 min 03 s
